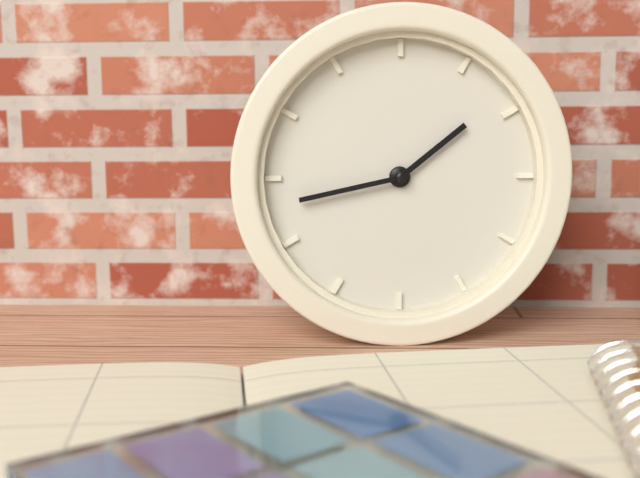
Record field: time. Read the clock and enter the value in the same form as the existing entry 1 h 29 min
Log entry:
1 h 43 min
